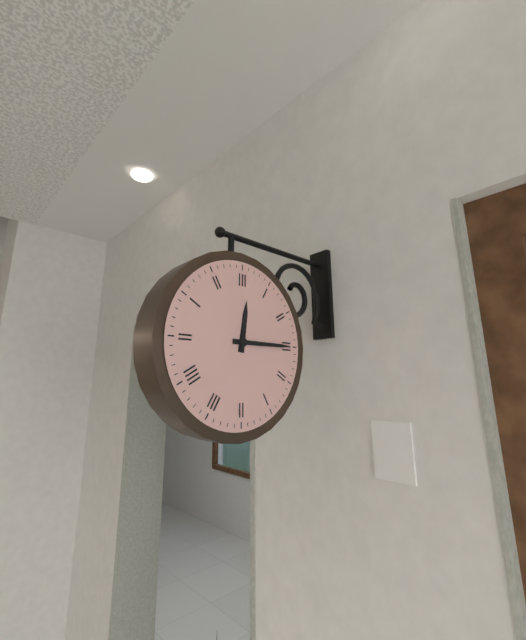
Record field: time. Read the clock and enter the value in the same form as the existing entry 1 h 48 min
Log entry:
12 h 15 min
